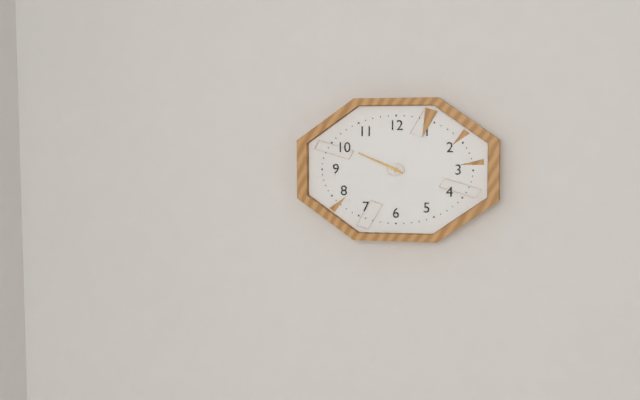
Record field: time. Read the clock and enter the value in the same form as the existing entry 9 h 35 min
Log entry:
9 h 49 min
